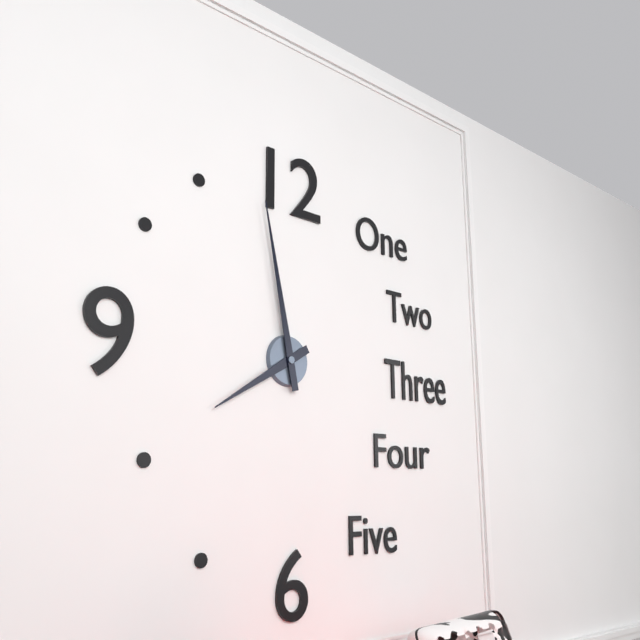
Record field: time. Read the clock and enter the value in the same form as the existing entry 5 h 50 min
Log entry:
7 h 58 min
